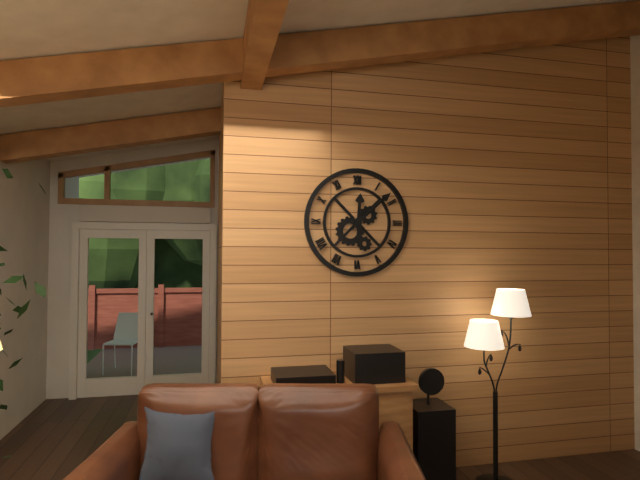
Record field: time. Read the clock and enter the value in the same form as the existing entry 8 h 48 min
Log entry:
12 h 08 min
